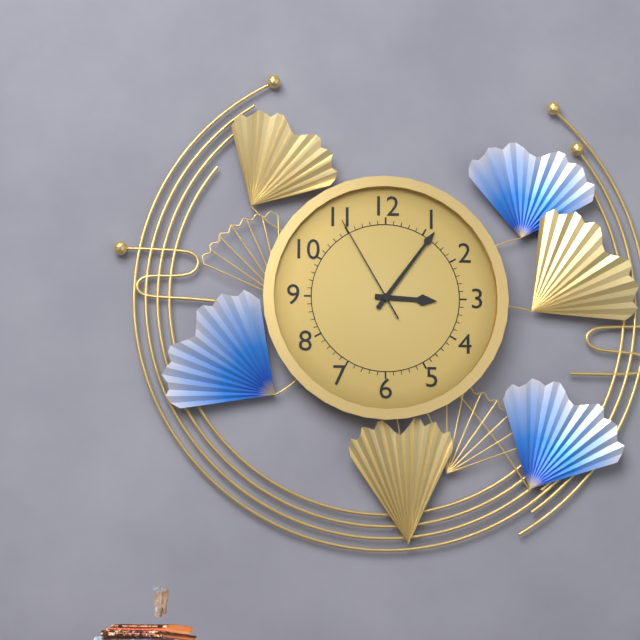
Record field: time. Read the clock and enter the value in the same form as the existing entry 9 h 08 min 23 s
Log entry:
3 h 06 min 55 s
